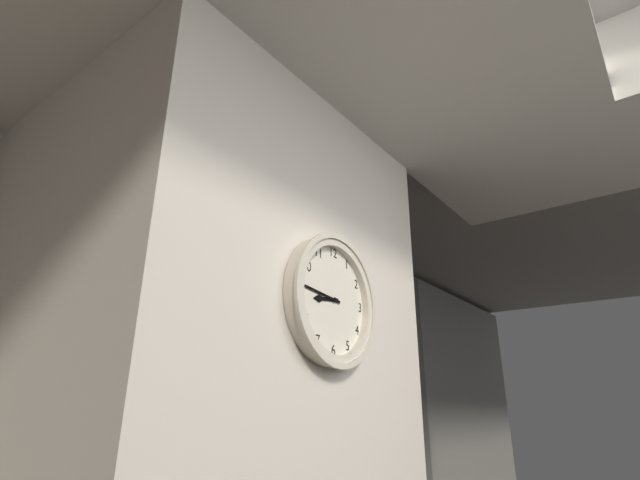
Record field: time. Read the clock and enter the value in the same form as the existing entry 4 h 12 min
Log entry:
8 h 46 min
